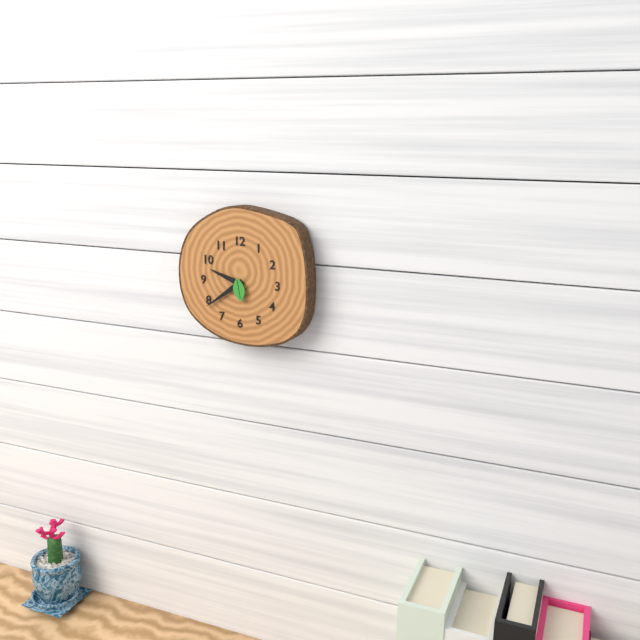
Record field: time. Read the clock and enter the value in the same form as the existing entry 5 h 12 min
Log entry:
9 h 39 min
